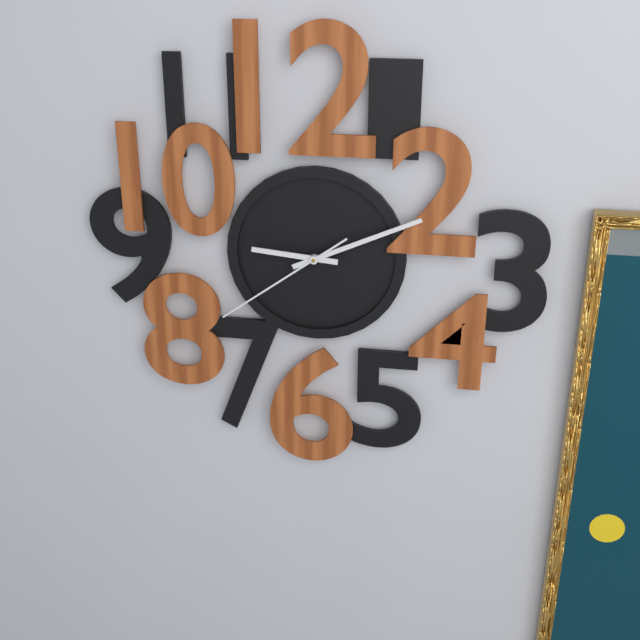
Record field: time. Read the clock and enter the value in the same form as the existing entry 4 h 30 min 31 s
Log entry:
9 h 11 min 39 s
